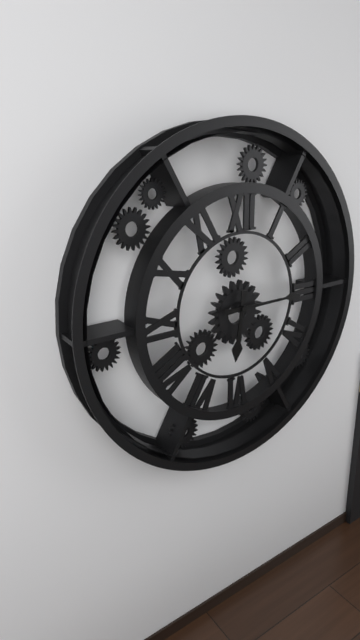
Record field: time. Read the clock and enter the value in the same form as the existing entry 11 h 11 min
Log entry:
6 h 15 min
